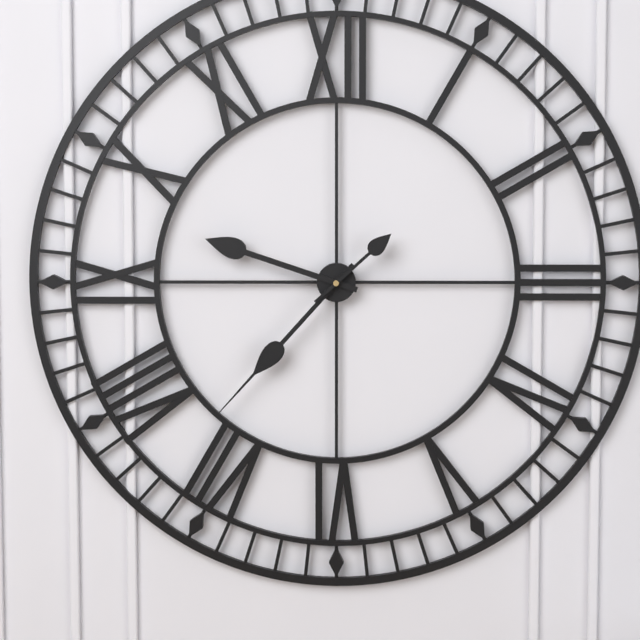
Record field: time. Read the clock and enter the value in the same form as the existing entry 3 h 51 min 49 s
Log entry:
9 h 37 min 08 s
